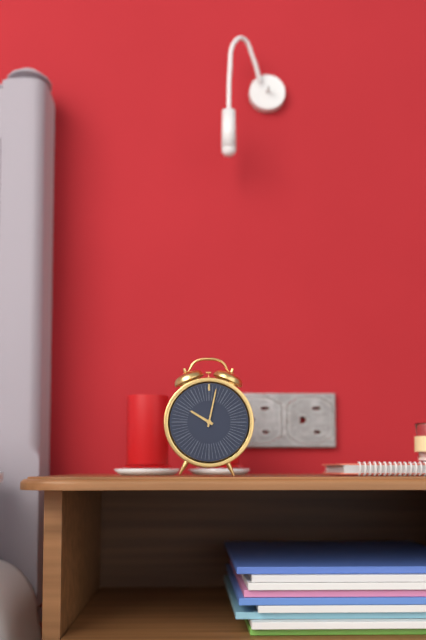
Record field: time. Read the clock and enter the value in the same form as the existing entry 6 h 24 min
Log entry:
10 h 02 min
